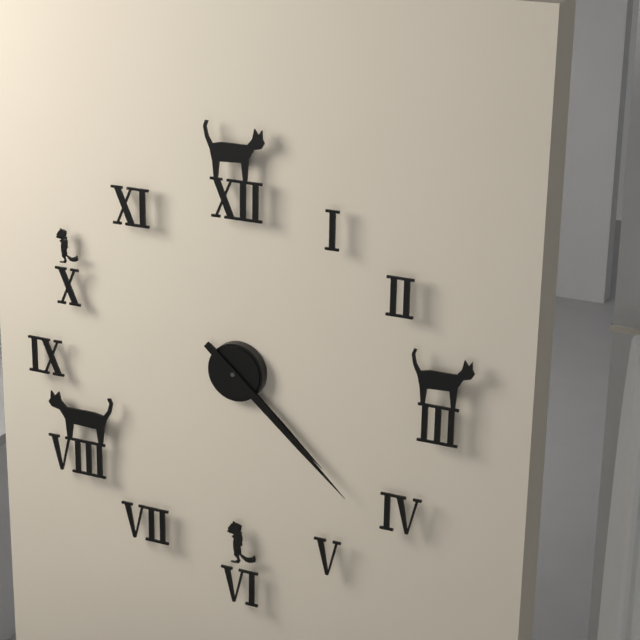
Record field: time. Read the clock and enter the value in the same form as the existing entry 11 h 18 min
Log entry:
4 h 22 min
